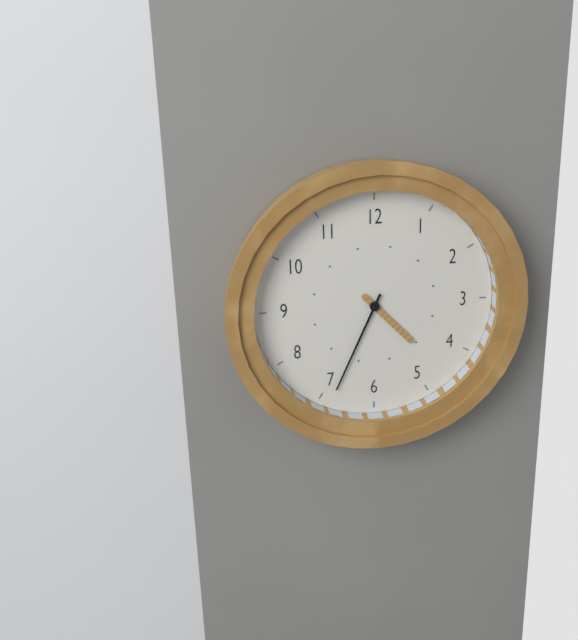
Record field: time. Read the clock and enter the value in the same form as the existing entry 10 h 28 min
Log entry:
4 h 34 min
